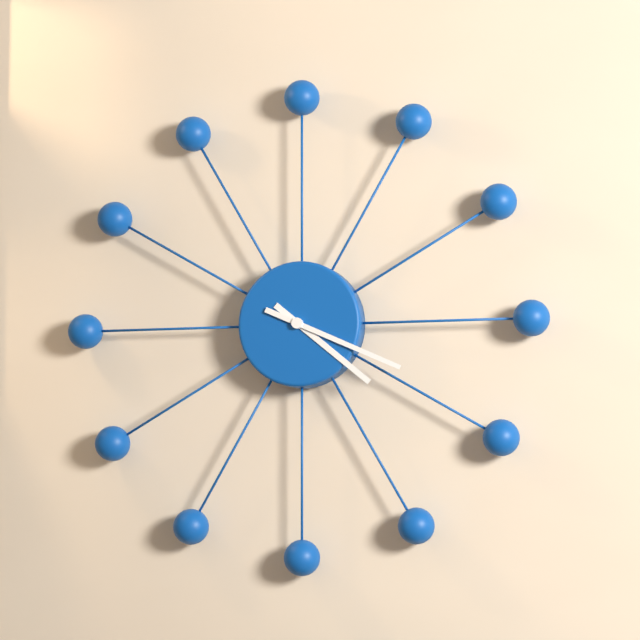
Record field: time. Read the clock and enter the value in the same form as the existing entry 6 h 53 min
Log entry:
4 h 19 min
